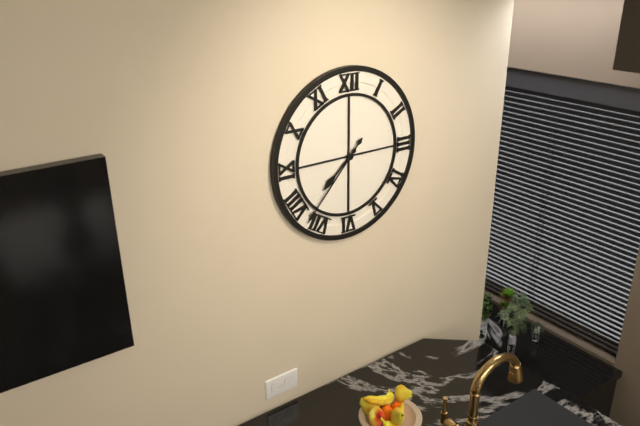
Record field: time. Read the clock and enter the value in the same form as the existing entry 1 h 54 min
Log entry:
7 h 37 min
